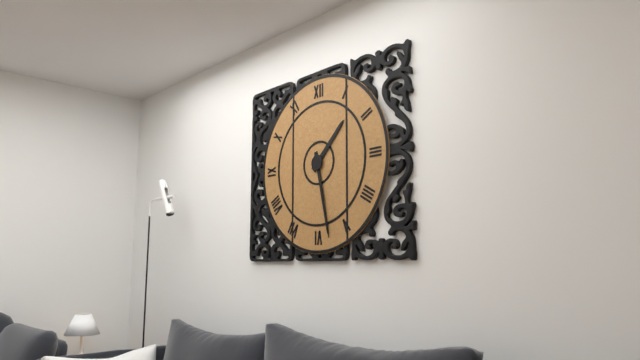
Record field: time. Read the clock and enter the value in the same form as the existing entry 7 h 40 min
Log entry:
1 h 28 min
